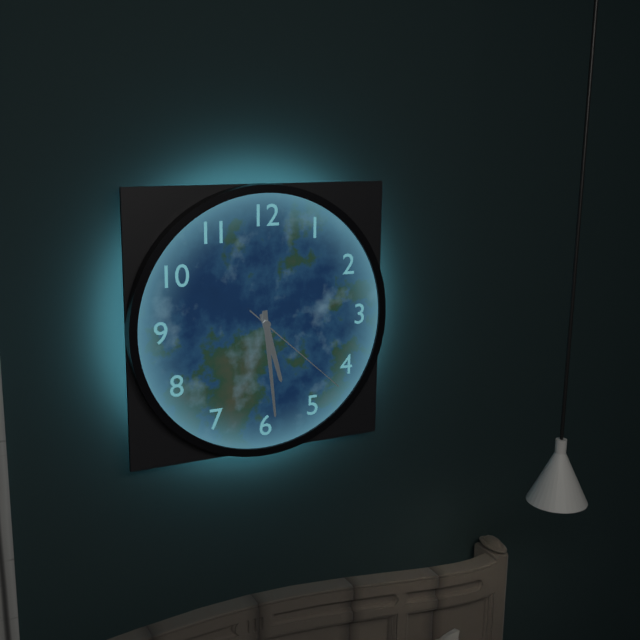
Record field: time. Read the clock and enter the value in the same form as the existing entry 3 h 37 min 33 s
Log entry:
5 h 29 min 22 s
